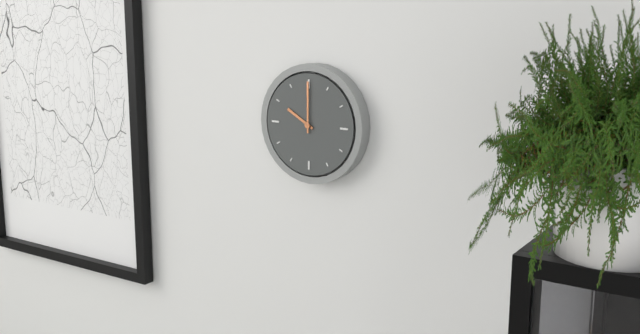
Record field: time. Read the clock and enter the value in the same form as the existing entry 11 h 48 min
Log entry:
10 h 00 min
